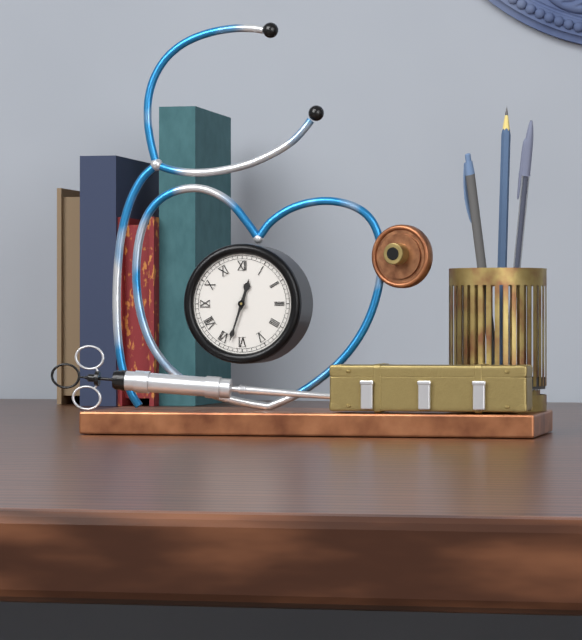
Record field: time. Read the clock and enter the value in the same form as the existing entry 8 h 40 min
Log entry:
12 h 33 min
